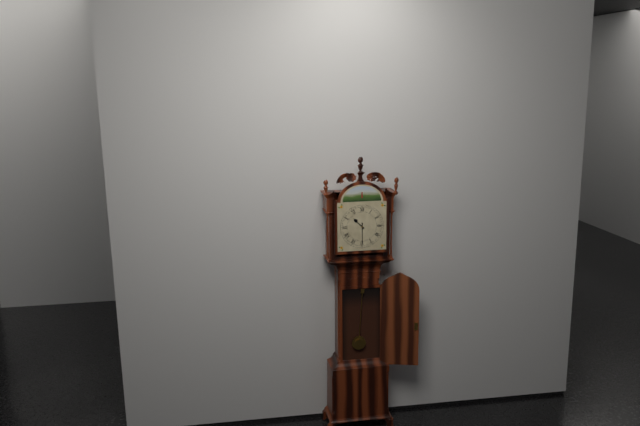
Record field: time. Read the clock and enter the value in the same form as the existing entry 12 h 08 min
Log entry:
10 h 30 min
